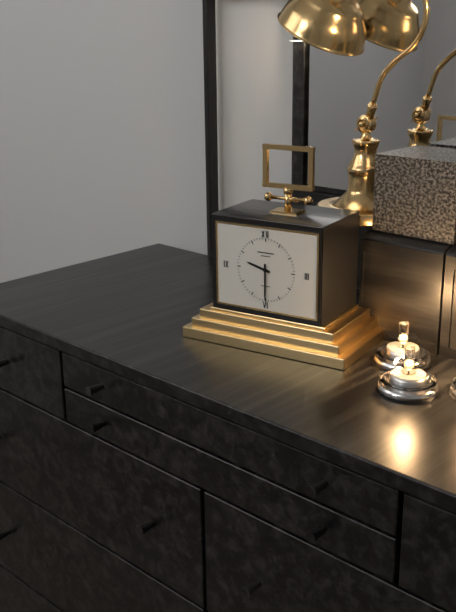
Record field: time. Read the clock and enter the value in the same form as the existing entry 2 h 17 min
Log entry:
9 h 30 min
